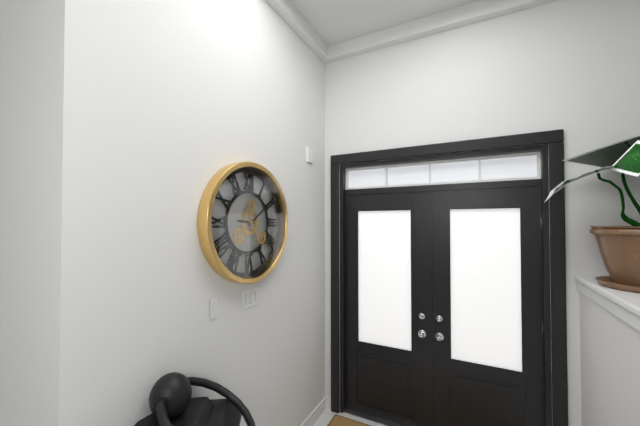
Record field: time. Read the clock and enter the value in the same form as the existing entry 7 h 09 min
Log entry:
9 h 09 min
